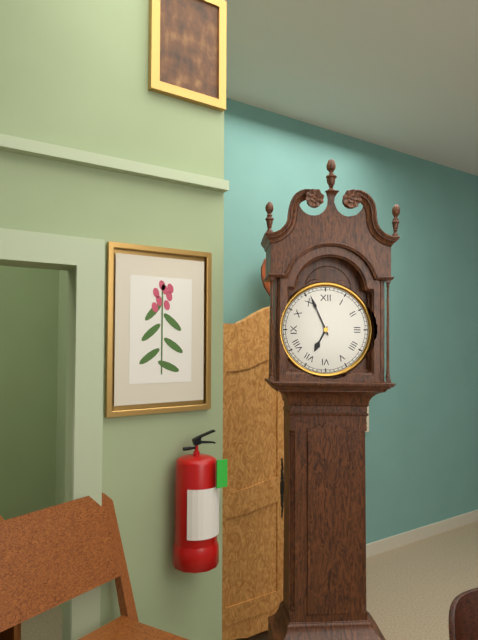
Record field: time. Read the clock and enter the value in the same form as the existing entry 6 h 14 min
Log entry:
6 h 56 min
